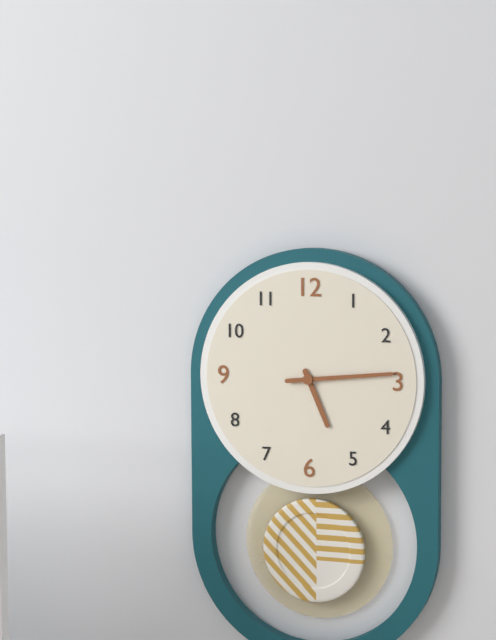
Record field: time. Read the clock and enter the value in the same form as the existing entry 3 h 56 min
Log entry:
5 h 14 min
